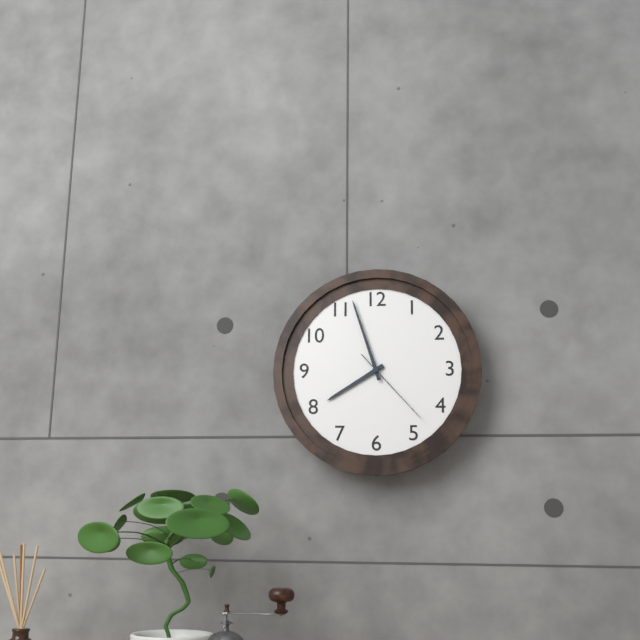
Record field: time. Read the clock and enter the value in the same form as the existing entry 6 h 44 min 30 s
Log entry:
7 h 57 min 23 s
